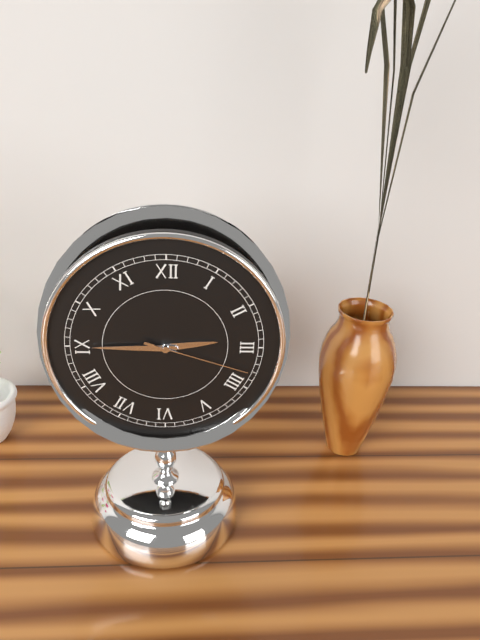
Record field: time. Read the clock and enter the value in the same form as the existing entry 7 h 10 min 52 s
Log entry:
2 h 45 min 18 s
